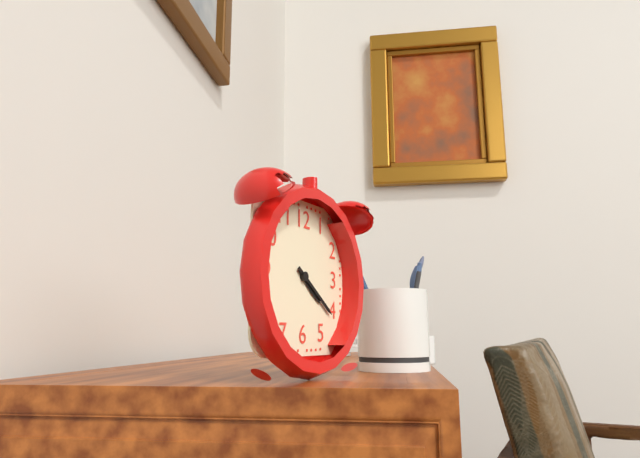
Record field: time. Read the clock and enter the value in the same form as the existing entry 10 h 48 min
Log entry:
4 h 21 min
